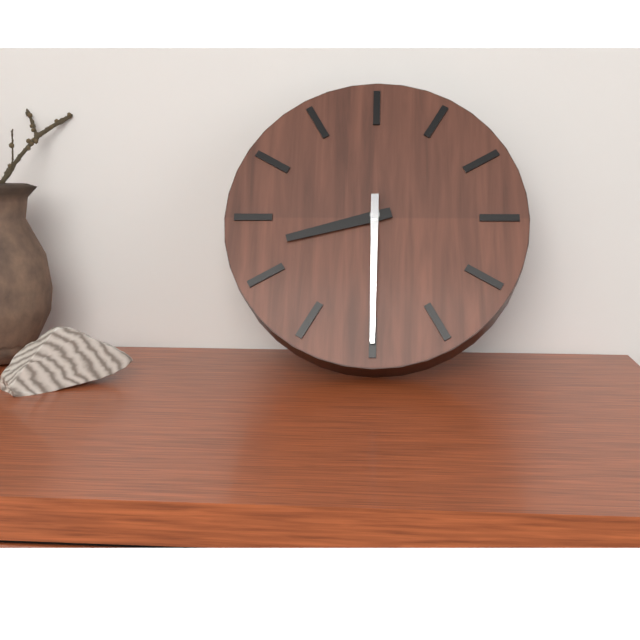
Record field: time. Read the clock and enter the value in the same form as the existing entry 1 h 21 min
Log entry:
8 h 30 min
